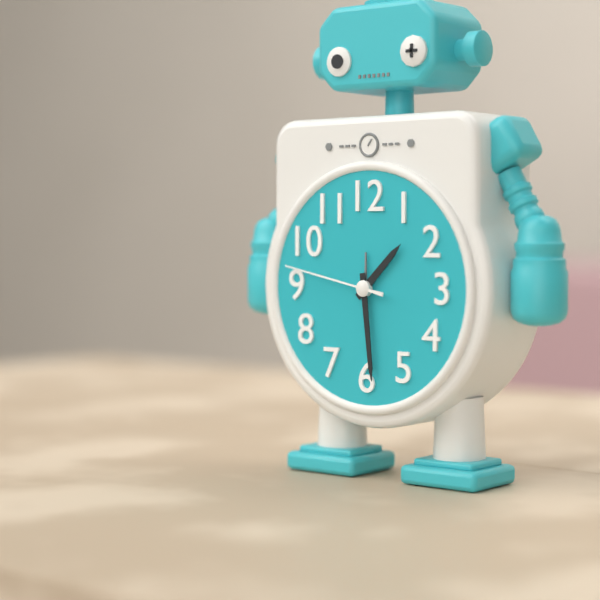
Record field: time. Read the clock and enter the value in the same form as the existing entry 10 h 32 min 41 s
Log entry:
1 h 29 min 47 s
